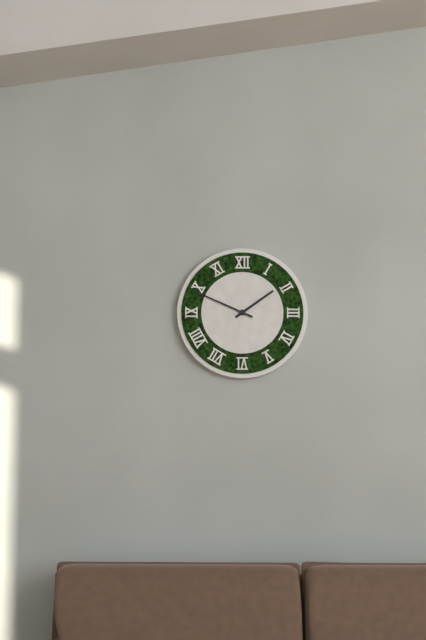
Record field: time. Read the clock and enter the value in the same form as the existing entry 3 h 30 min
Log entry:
1 h 49 min
